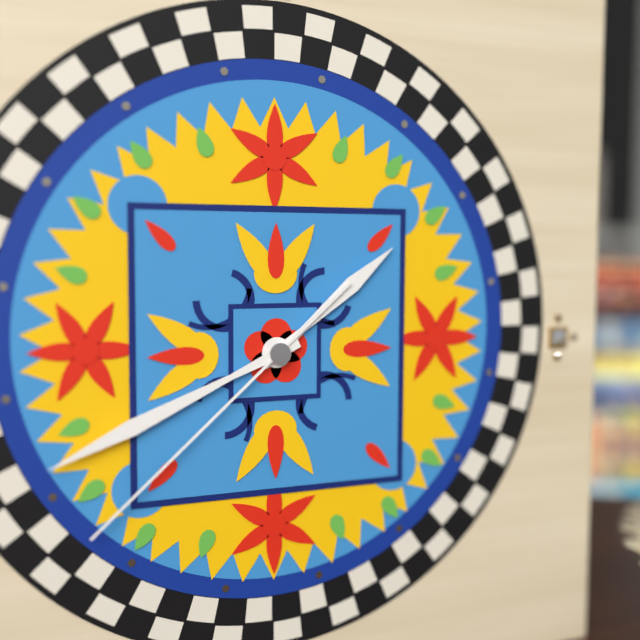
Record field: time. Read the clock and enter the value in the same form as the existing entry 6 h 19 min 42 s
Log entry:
1 h 41 min 38 s
